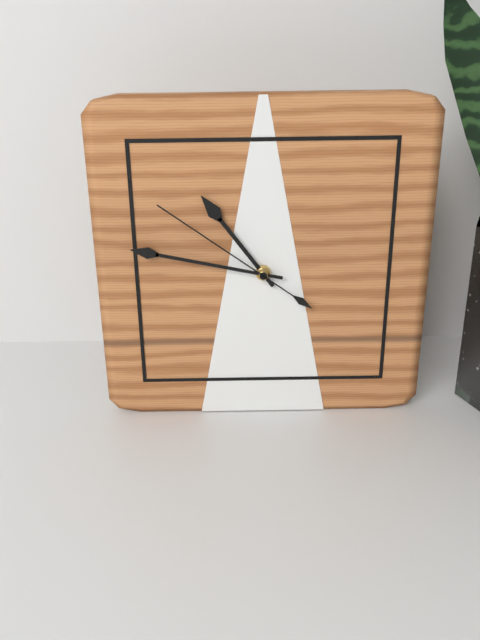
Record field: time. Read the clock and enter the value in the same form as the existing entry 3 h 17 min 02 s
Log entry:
10 h 47 min 51 s
